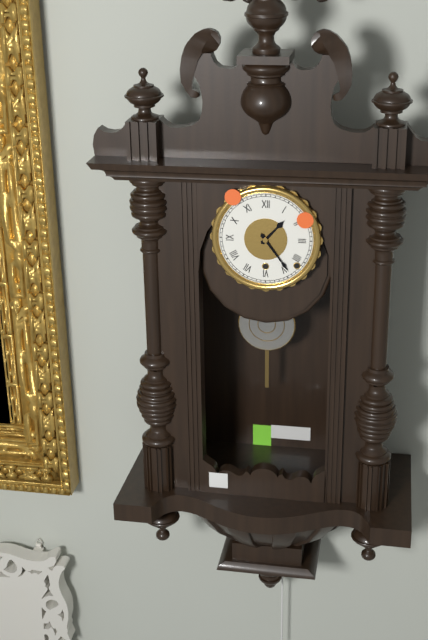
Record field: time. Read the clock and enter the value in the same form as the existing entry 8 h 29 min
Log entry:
1 h 24 min
